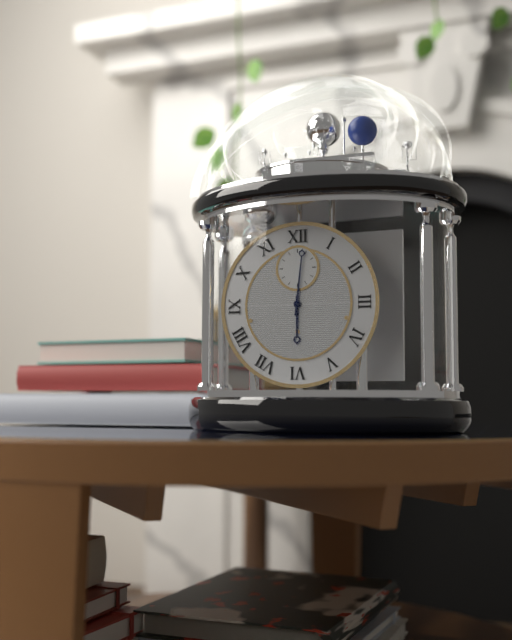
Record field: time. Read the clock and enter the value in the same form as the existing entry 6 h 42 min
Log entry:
6 h 01 min
